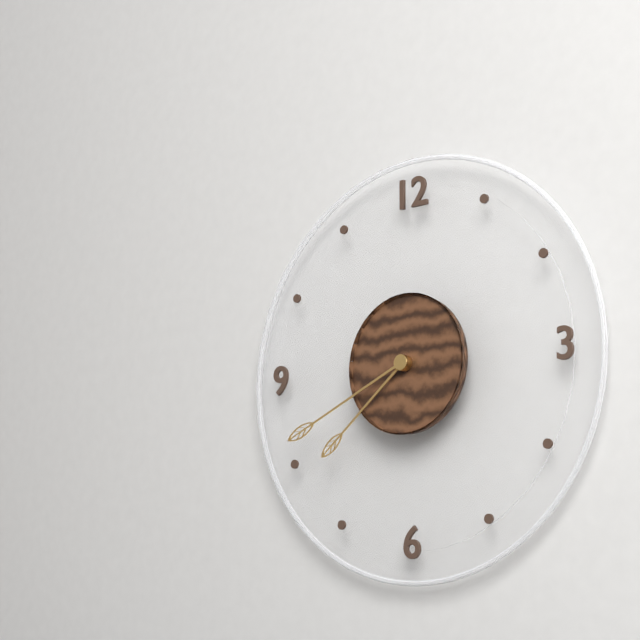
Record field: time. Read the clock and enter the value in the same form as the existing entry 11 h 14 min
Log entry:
7 h 41 min
